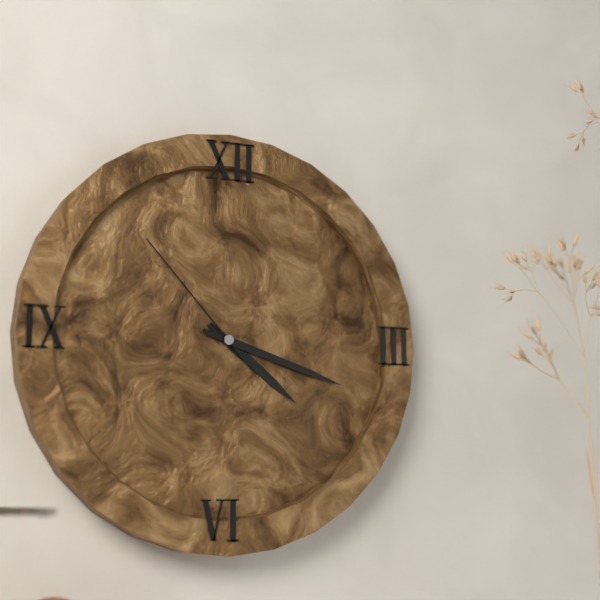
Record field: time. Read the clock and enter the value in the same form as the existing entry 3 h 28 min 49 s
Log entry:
4 h 18 min 53 s
